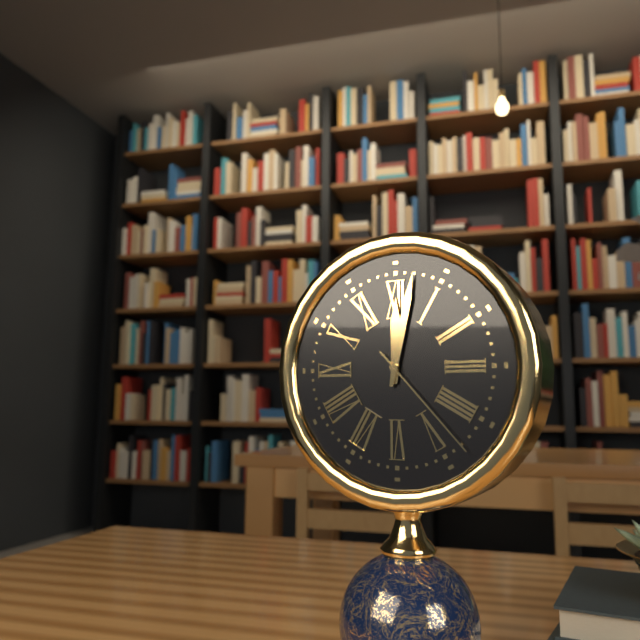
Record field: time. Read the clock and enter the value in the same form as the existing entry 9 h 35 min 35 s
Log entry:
12 h 02 min 23 s
